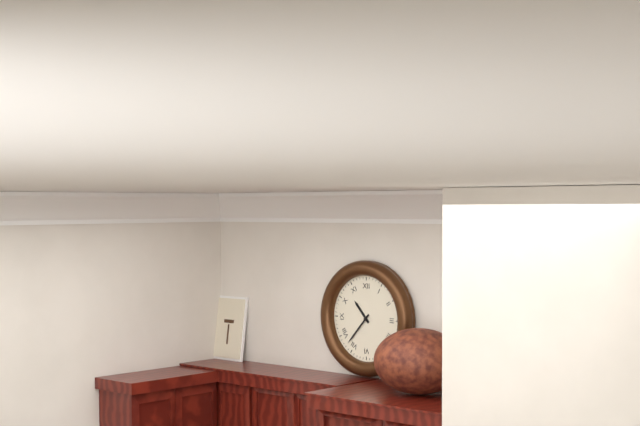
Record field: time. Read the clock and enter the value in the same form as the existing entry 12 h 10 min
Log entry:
10 h 37 min
